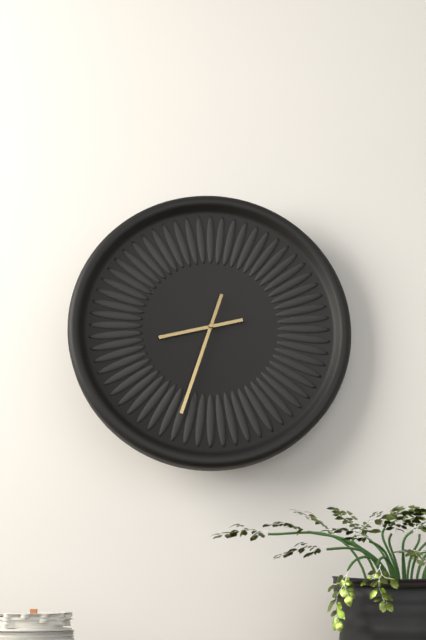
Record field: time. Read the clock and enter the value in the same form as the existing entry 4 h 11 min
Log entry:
8 h 33 min
